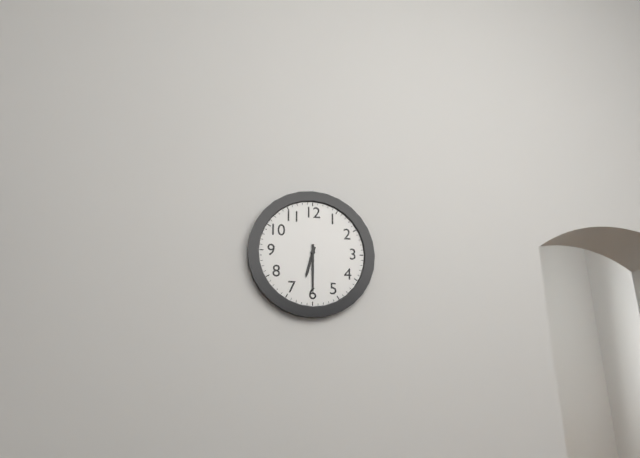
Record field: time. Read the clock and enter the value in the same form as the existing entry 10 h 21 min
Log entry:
6 h 30 min
